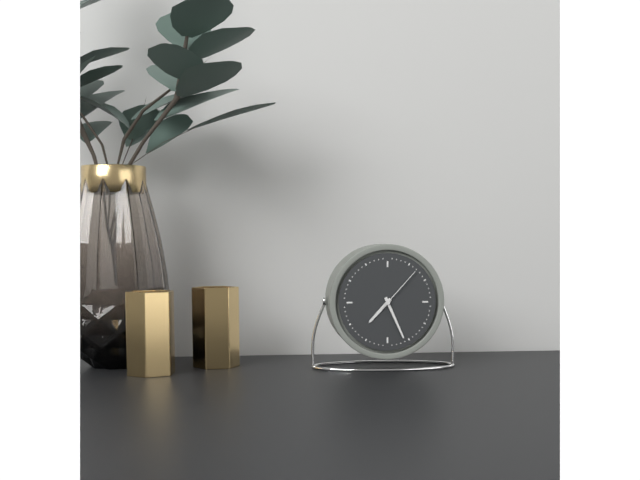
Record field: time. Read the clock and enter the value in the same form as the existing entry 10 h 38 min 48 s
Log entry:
7 h 26 min 07 s
